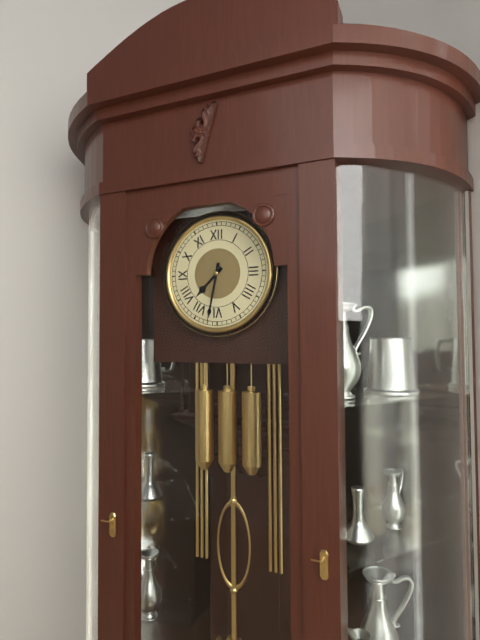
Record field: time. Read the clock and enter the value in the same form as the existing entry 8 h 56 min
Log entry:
7 h 32 min
